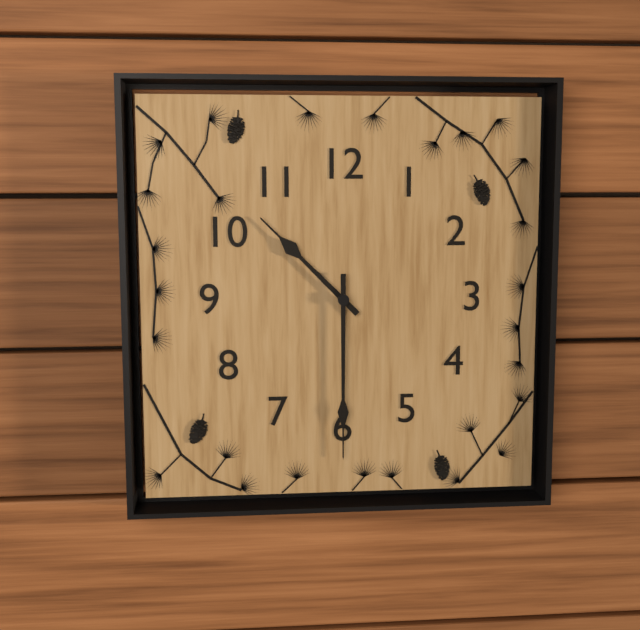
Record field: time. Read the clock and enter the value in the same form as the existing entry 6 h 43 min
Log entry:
10 h 30 min
